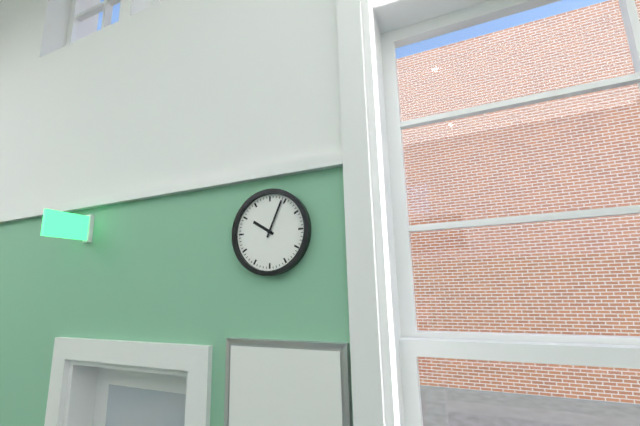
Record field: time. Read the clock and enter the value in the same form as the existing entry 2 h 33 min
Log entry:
10 h 04 min
